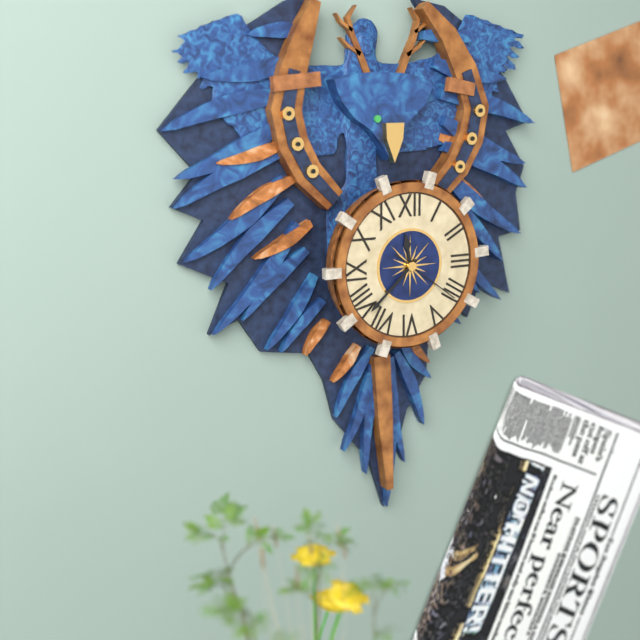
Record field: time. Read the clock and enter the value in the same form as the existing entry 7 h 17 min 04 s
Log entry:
11 h 38 min 21 s
